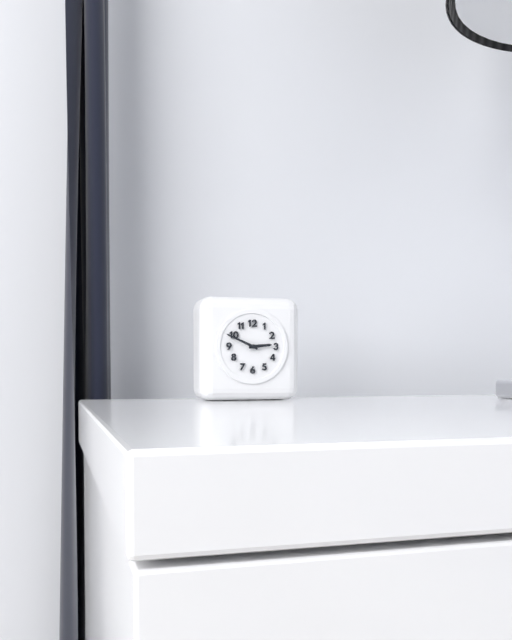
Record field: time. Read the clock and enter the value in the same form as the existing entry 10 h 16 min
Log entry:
2 h 49 min
